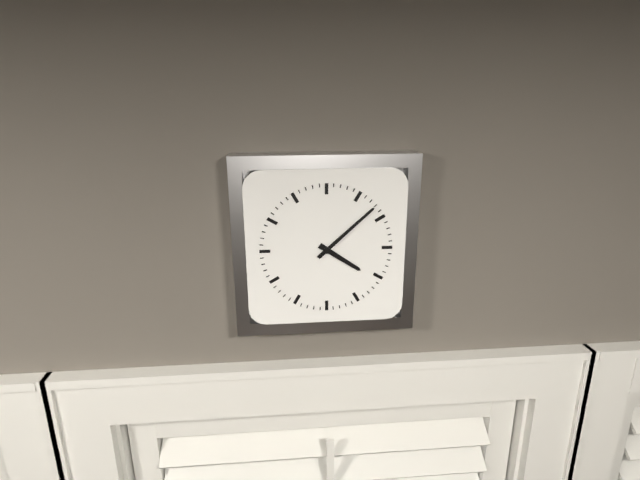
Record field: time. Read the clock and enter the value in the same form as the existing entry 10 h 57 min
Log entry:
4 h 08 min
